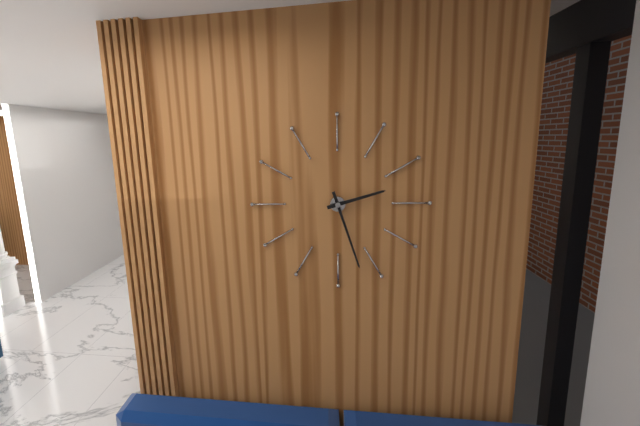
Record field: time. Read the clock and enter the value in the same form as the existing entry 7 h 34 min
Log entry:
2 h 27 min
